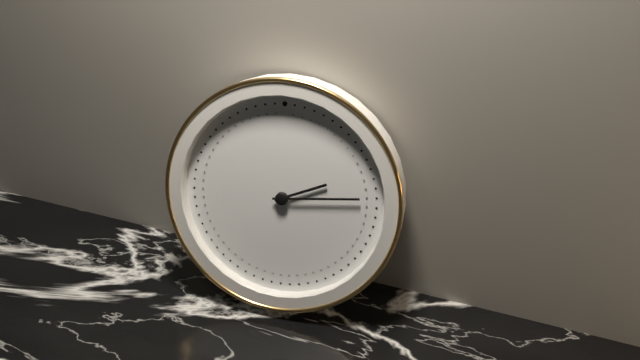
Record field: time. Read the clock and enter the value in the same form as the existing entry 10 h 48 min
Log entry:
2 h 14 min
